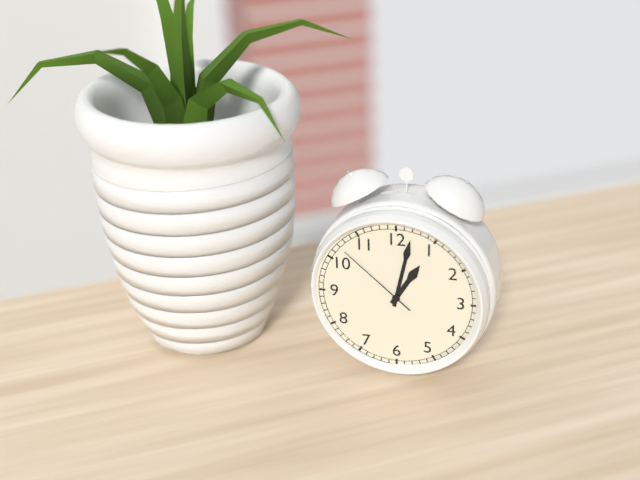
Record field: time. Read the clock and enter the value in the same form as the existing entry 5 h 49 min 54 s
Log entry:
1 h 02 min 52 s
